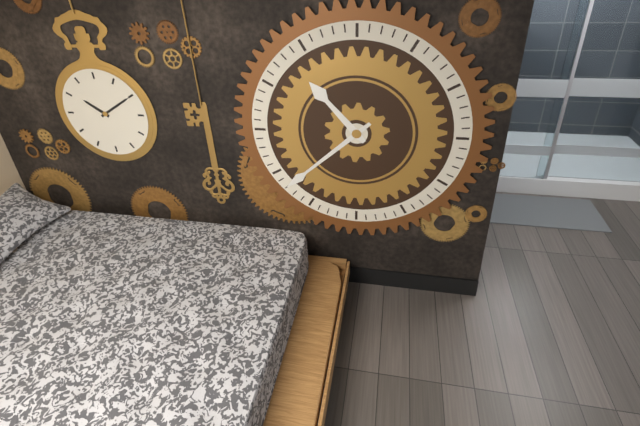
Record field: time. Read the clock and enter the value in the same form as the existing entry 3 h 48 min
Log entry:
10 h 38 min
